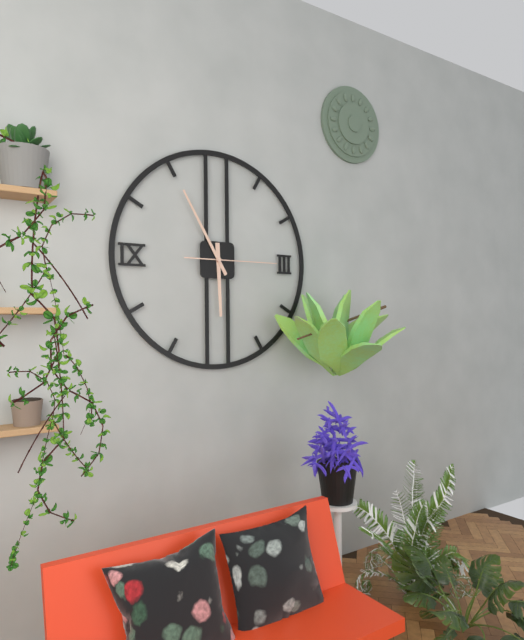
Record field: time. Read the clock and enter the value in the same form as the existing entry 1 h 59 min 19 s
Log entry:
5 h 55 min 15 s
